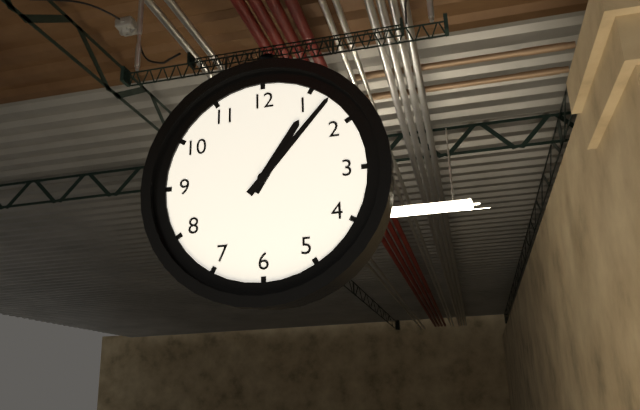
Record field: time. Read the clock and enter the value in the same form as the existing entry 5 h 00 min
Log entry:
1 h 07 min
